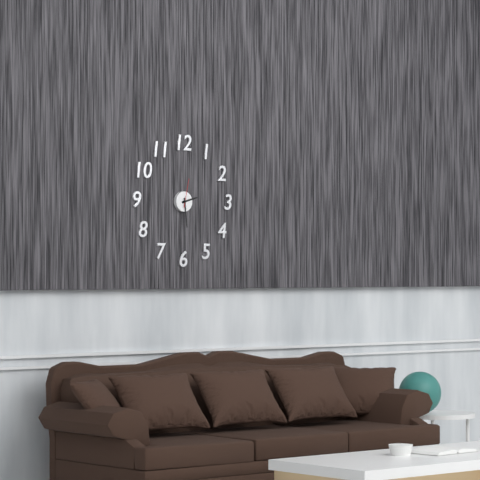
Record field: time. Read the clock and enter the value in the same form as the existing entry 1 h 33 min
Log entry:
2 h 29 min
